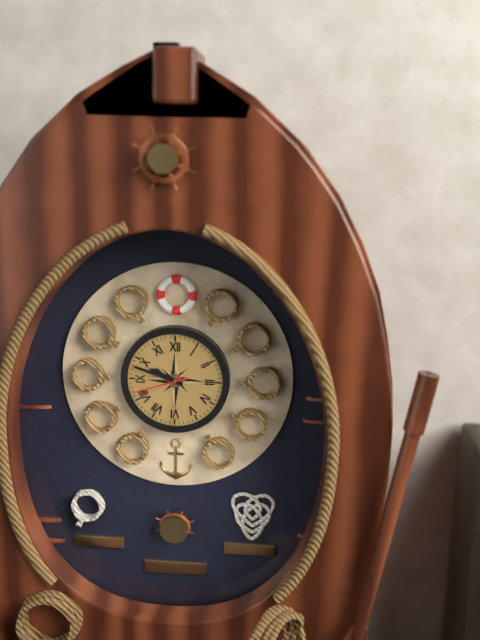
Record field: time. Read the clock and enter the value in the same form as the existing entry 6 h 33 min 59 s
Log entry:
9 h 48 min 42 s
